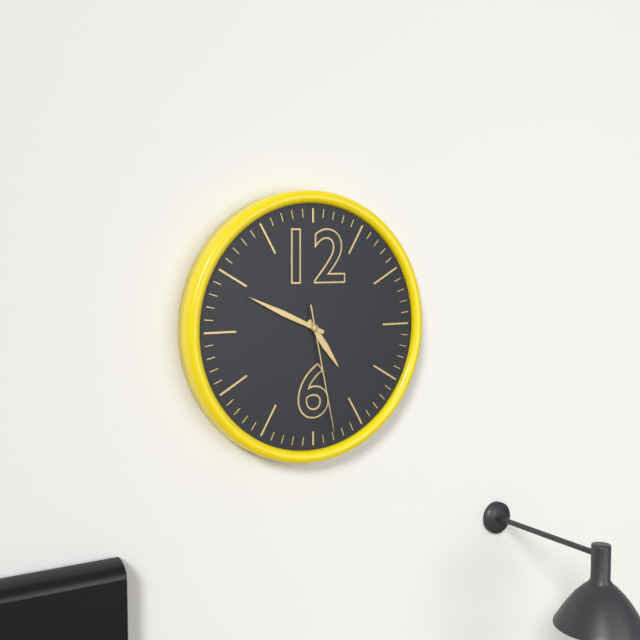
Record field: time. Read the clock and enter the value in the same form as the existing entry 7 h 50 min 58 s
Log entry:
4 h 49 min 28 s
